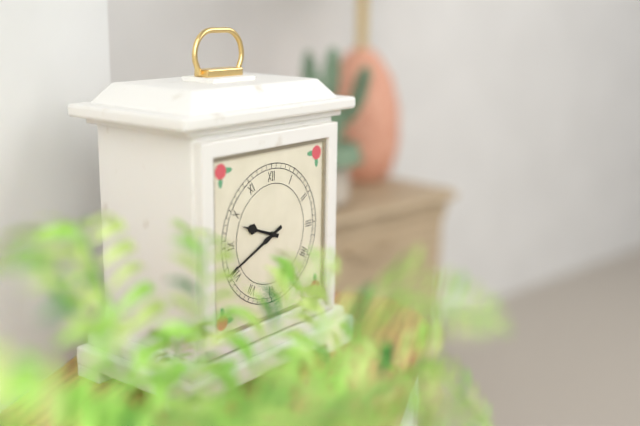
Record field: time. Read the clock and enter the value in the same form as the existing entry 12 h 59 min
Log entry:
9 h 41 min
